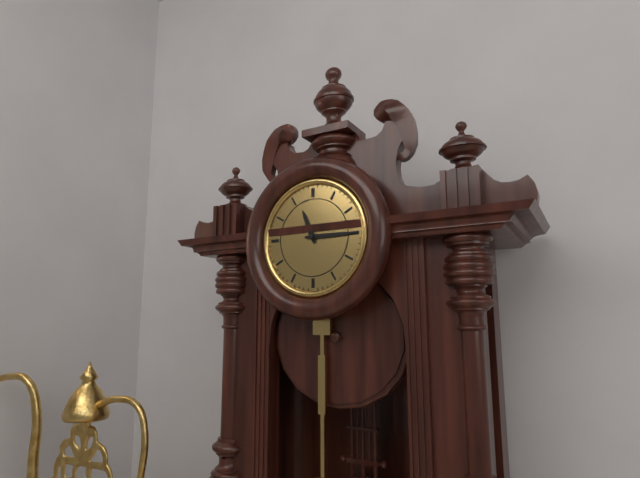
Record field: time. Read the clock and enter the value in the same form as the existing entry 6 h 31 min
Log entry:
11 h 15 min
